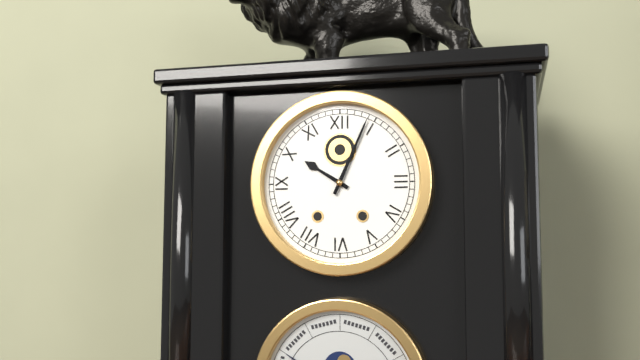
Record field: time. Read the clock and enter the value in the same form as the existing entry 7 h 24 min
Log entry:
10 h 04 min
